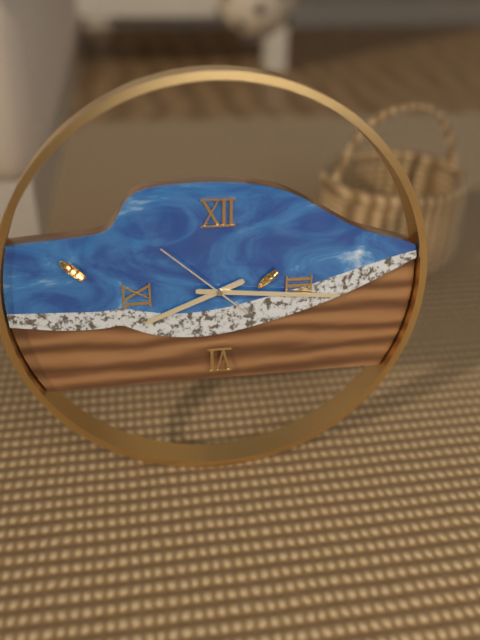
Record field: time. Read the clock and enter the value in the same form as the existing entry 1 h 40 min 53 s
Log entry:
8 h 16 min 52 s
